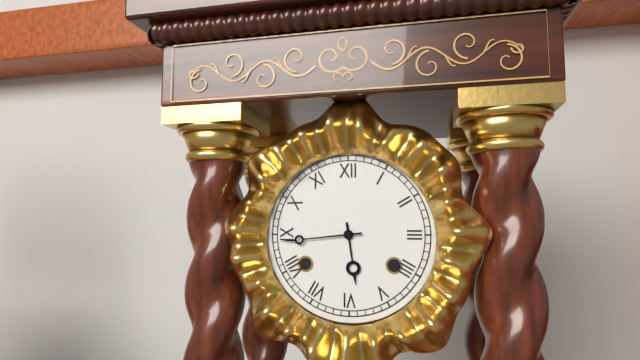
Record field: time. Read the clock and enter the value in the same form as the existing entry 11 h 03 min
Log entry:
5 h 44 min
